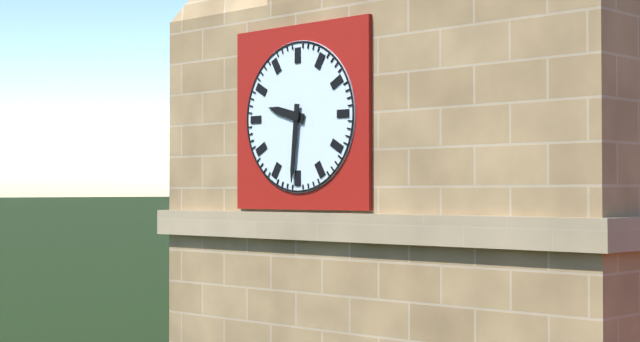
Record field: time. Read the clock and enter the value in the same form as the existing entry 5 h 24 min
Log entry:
9 h 31 min
